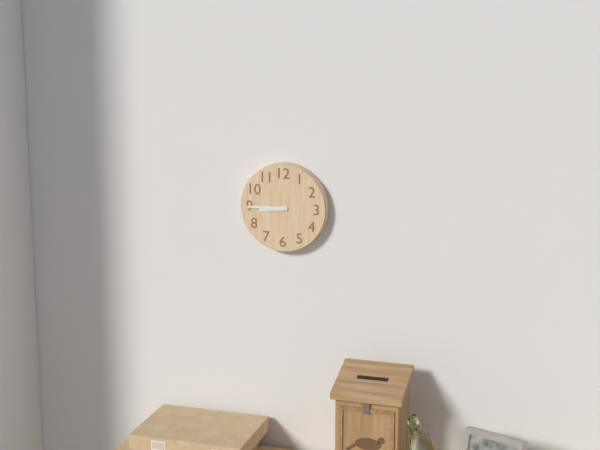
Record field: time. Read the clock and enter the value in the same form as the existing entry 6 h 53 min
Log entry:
8 h 45 min
